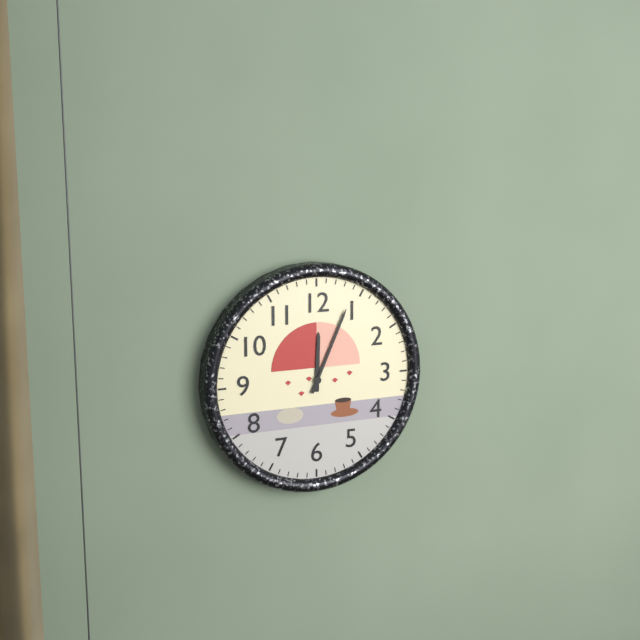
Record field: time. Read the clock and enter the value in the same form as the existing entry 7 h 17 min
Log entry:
12 h 04 min
